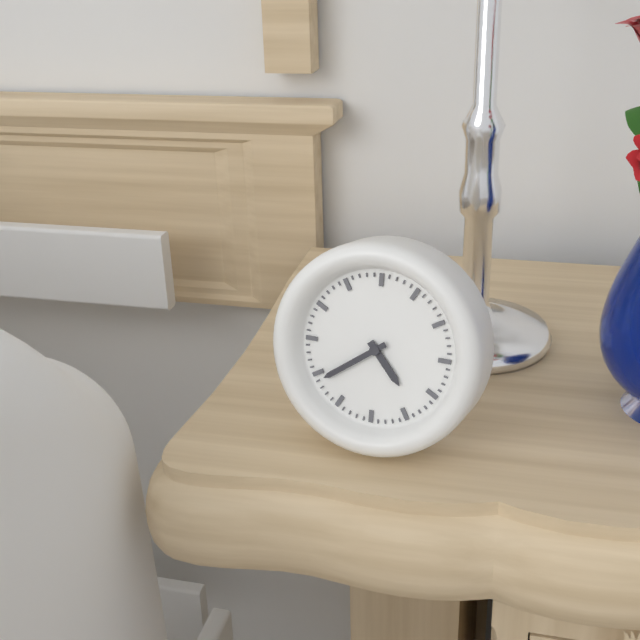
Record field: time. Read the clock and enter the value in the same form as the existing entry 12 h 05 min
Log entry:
4 h 39 min
